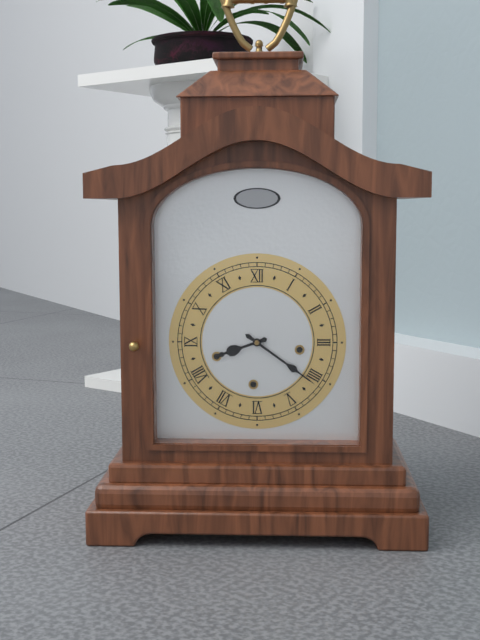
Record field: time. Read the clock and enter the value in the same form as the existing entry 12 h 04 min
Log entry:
8 h 21 min
